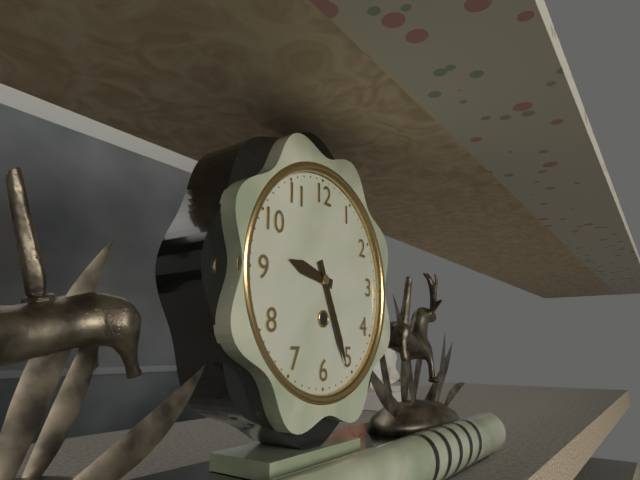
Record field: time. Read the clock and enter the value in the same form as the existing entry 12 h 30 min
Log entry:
9 h 26 min
